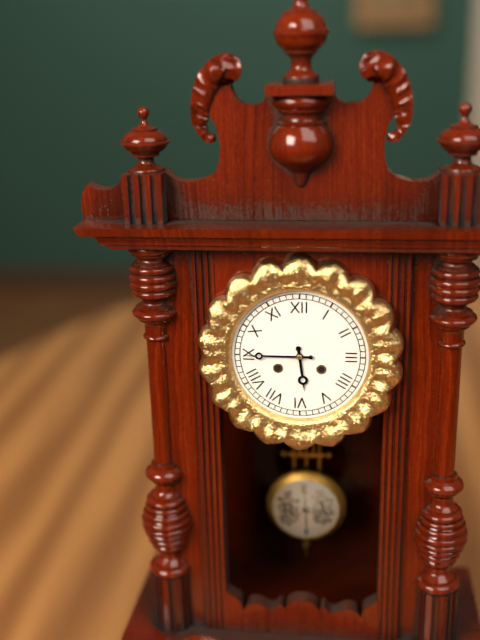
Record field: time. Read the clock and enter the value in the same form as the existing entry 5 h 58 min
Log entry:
5 h 45 min
